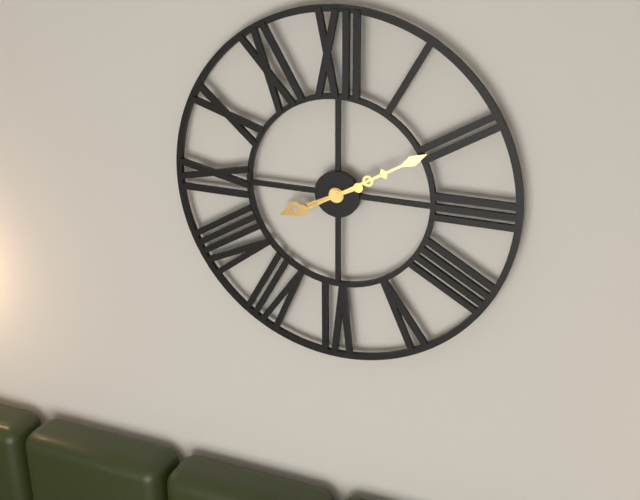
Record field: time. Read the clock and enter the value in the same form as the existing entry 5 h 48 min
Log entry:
8 h 10 min
